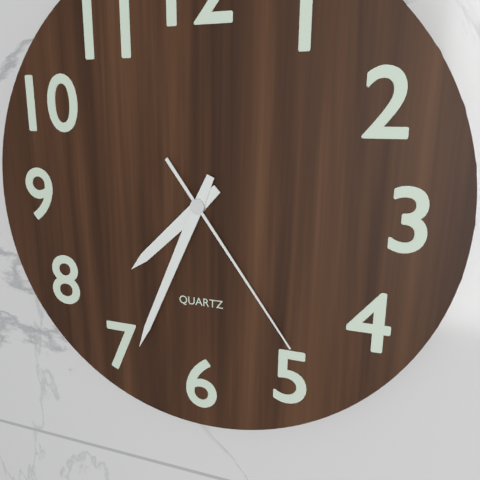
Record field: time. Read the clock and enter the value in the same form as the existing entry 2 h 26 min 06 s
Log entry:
7 h 34 min 24 s
